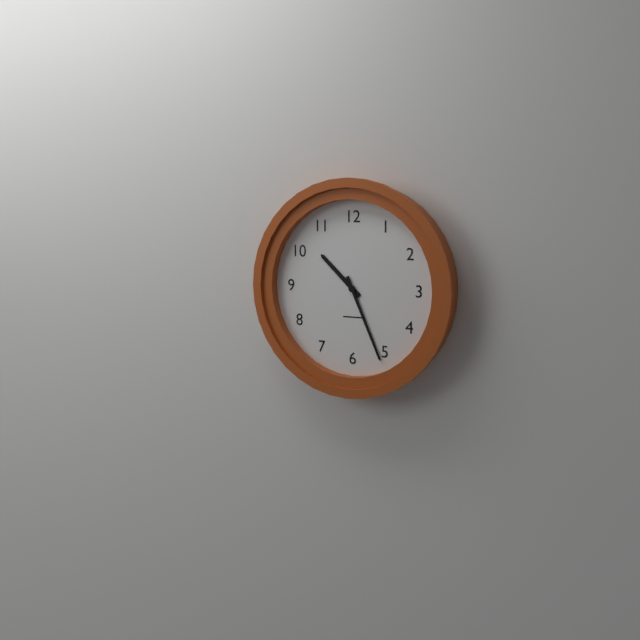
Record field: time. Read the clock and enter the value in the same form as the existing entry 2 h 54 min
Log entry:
10 h 26 min
